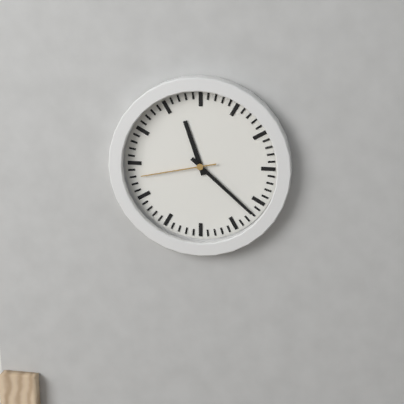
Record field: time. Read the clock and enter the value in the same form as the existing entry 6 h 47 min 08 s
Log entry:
11 h 22 min 43 s
